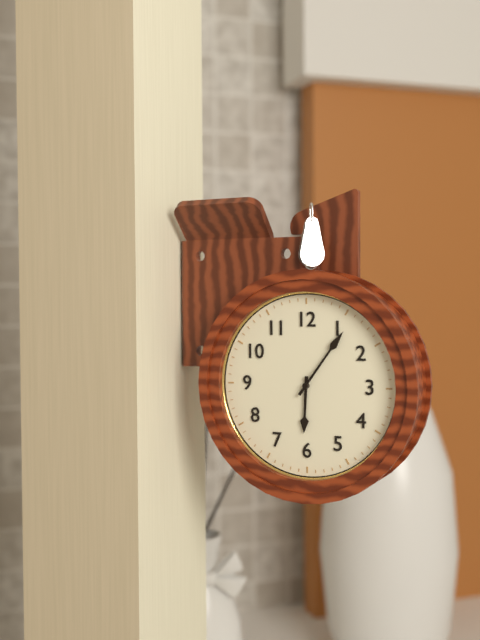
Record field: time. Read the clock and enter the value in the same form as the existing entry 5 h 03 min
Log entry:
6 h 06 min
